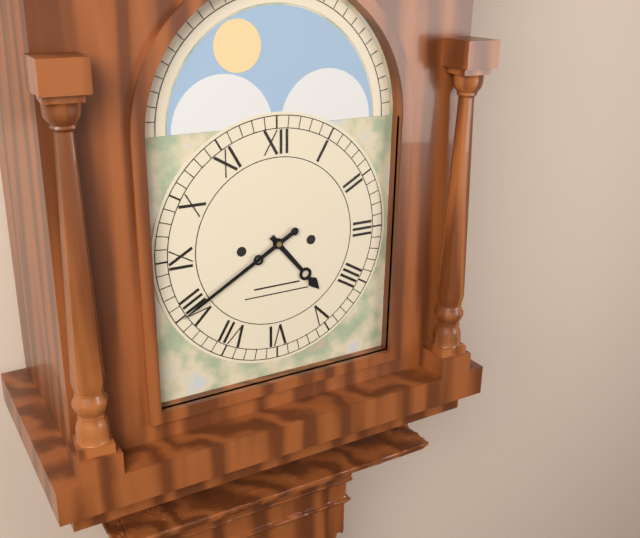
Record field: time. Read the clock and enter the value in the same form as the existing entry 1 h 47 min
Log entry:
4 h 40 min
